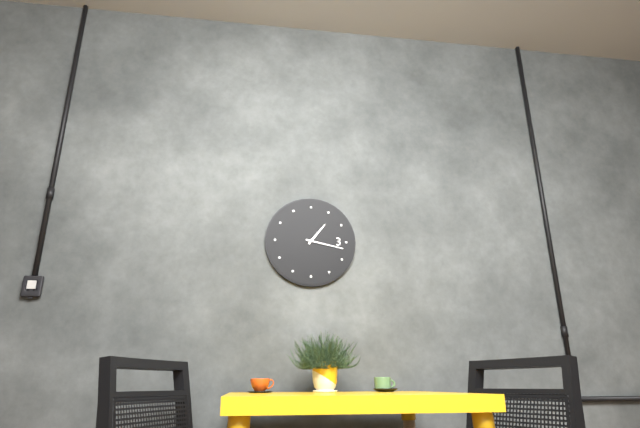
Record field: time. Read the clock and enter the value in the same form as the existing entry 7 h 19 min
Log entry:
1 h 17 min
